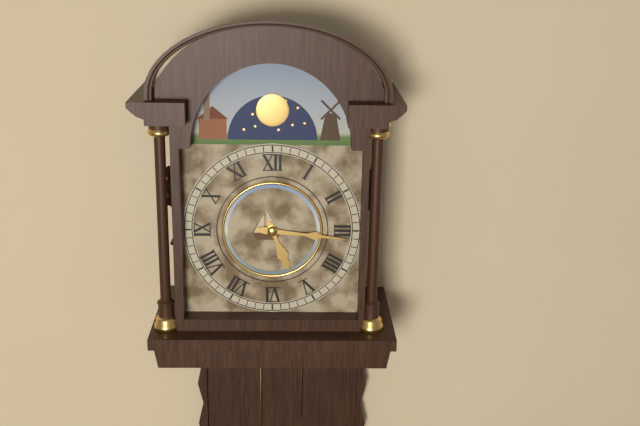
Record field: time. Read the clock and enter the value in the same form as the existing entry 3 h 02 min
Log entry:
5 h 16 min
